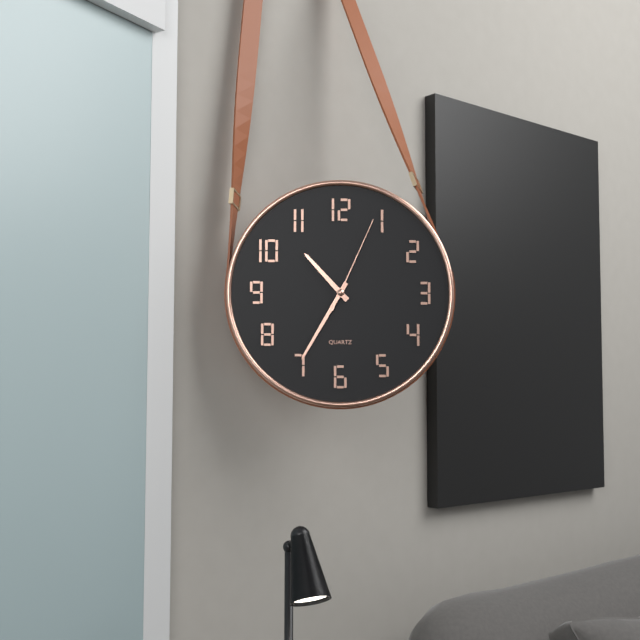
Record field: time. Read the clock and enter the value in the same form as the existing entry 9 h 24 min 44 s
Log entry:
10 h 35 min 04 s
